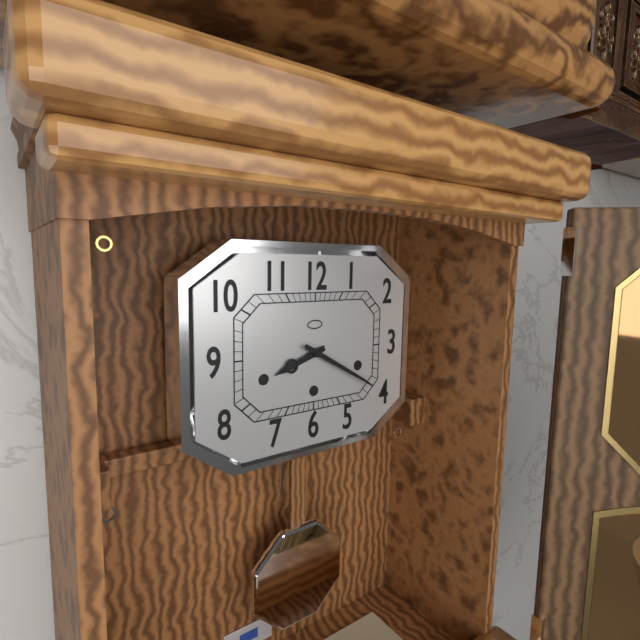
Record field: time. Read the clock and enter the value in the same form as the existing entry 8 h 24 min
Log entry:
8 h 20 min
